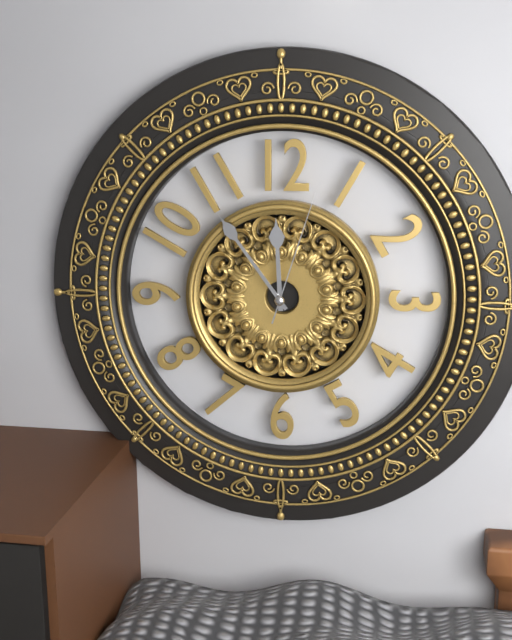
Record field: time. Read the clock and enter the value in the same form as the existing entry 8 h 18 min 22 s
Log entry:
11 h 54 min 03 s
